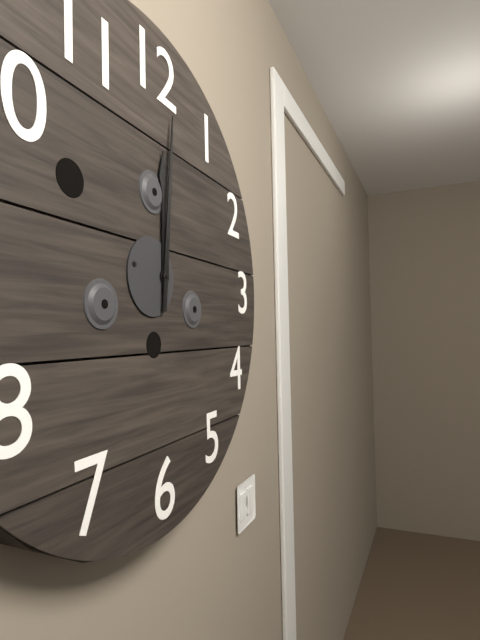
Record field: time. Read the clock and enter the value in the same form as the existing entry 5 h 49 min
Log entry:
12 h 01 min
